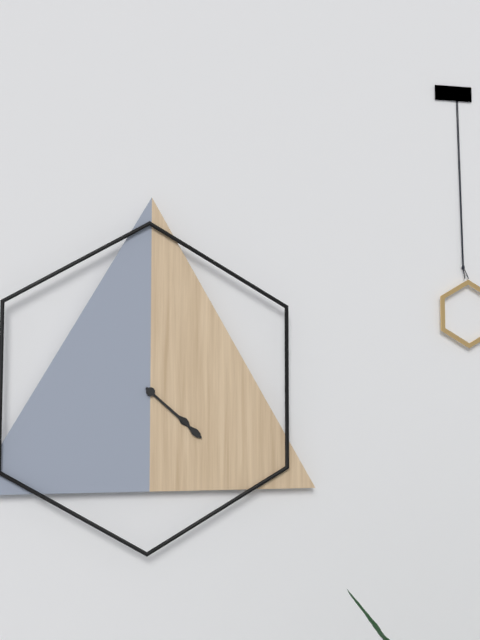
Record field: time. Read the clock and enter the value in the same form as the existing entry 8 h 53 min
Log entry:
4 h 22 min
